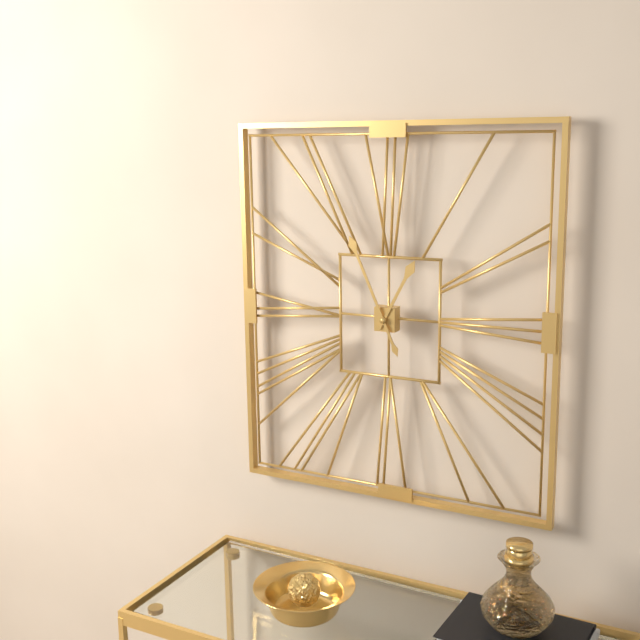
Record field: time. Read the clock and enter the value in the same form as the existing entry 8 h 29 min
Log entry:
12 h 56 min
